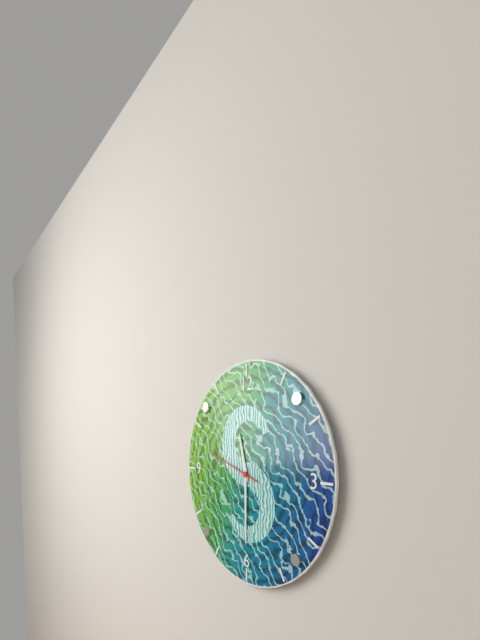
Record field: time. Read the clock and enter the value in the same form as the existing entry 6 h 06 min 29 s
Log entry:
11 h 30 min 48 s
